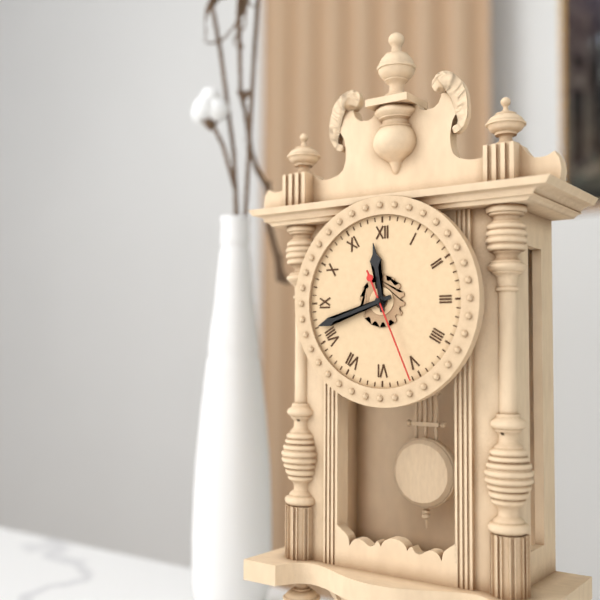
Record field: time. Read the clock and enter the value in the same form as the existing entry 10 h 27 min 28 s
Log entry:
11 h 42 min 26 s
